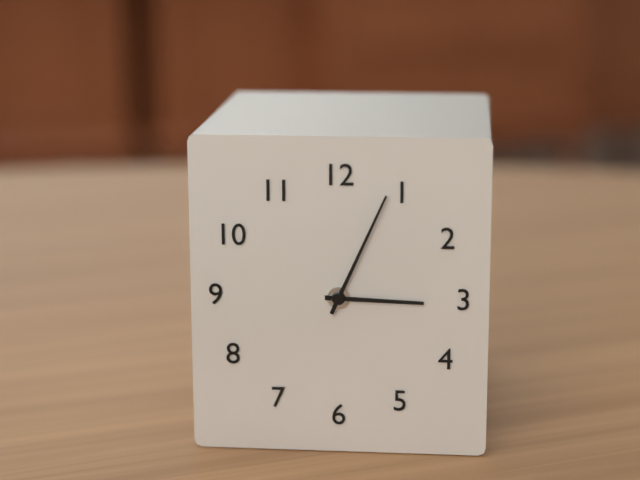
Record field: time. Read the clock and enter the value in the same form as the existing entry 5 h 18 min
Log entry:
3 h 04 min
